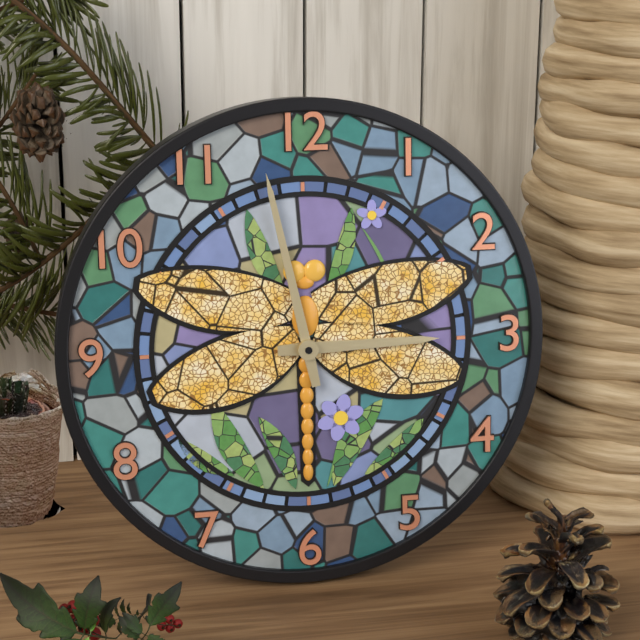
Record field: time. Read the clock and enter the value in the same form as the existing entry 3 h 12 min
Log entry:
2 h 58 min
